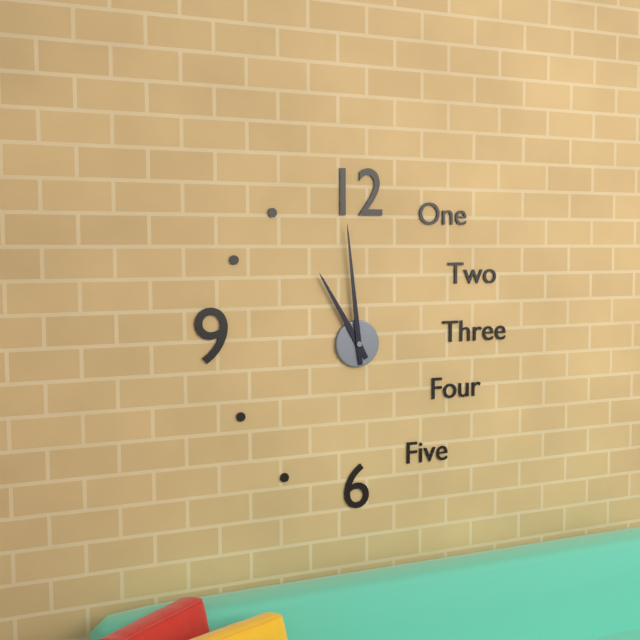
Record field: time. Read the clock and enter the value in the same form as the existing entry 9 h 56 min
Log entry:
10 h 59 min
